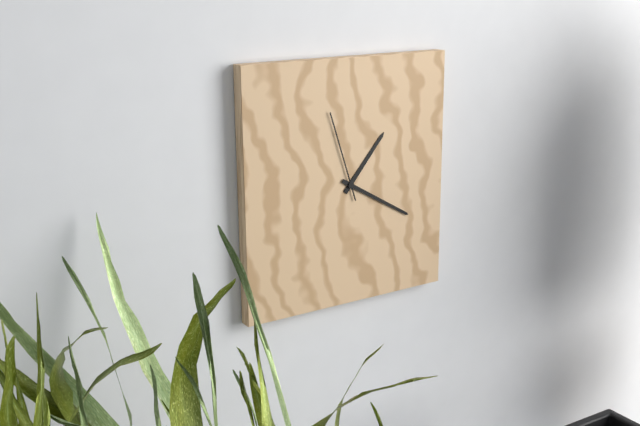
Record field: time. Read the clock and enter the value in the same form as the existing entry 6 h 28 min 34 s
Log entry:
1 h 20 min 57 s
